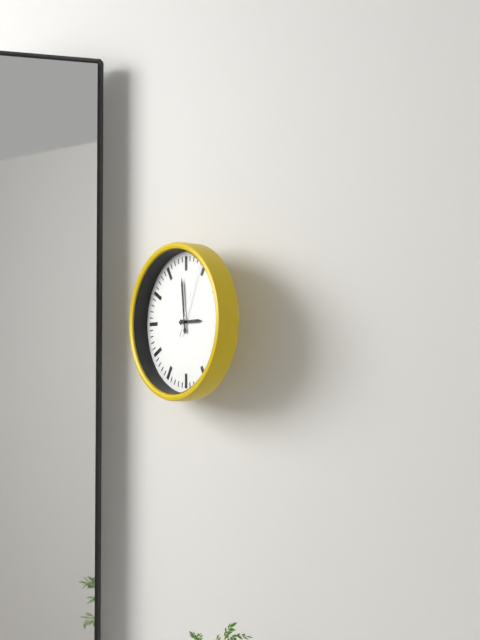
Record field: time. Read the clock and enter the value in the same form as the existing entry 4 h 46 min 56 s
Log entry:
2 h 59 min 04 s
